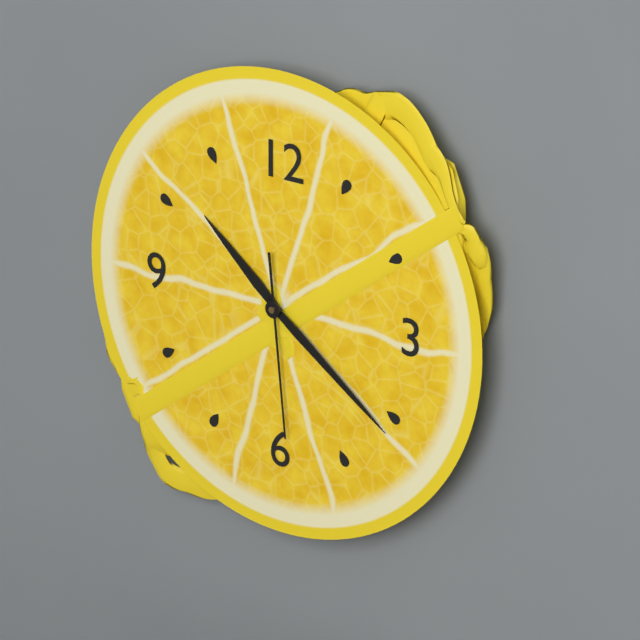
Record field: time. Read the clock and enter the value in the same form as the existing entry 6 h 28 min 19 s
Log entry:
10 h 21 min 29 s
